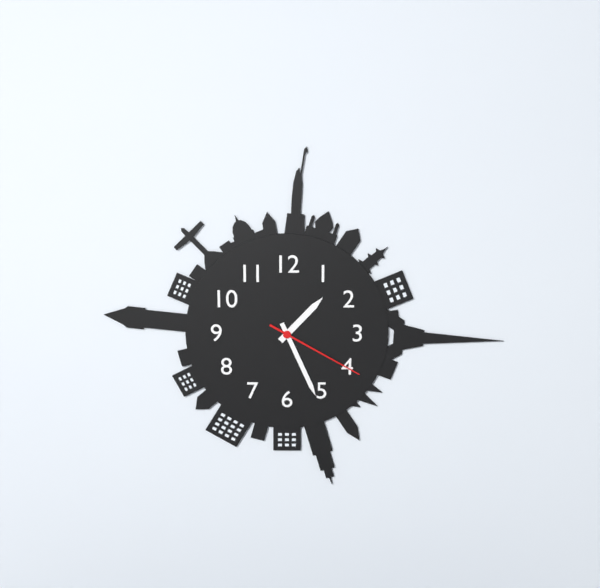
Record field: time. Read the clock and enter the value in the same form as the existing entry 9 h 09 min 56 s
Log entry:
1 h 26 min 20 s
